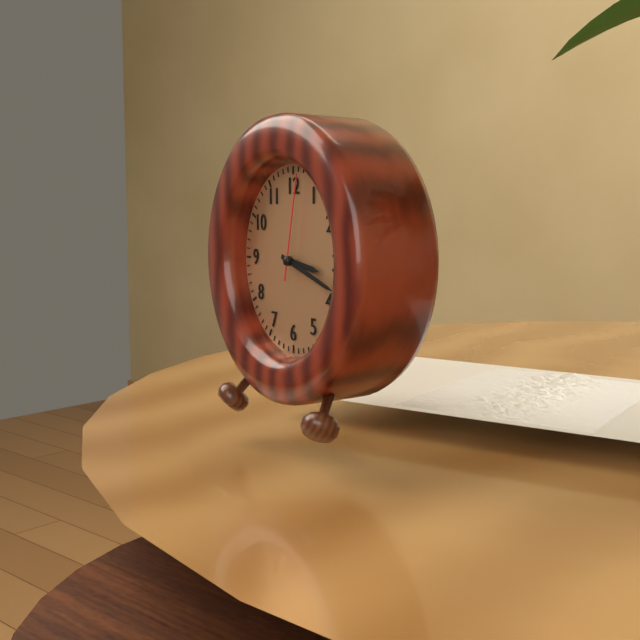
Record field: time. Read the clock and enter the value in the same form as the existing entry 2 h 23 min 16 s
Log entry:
3 h 18 min 02 s
